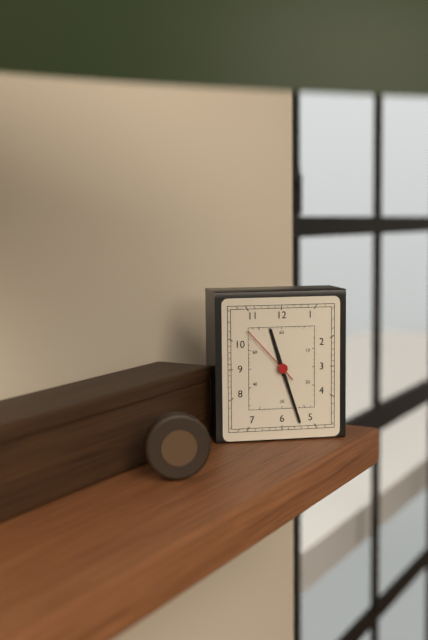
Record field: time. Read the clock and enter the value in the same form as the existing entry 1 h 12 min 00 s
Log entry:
11 h 27 min 53 s
